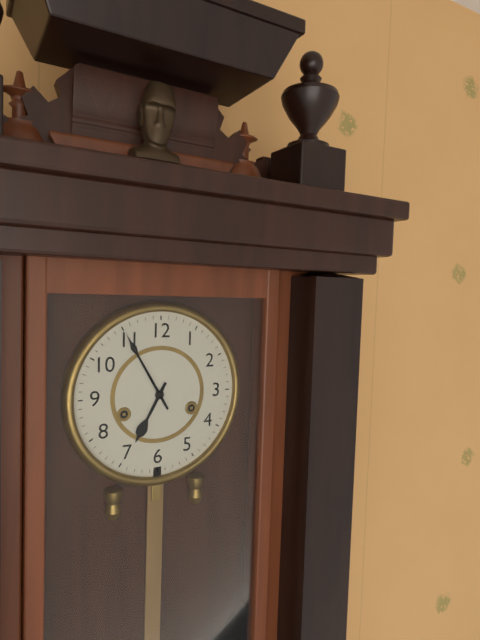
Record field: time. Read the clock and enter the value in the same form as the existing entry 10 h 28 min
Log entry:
6 h 55 min
